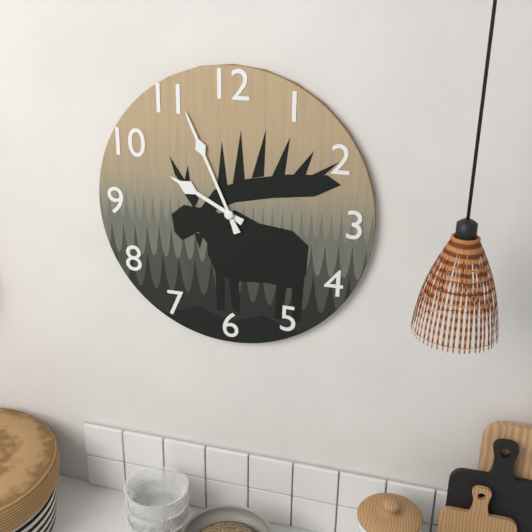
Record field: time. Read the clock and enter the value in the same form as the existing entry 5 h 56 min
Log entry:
9 h 56 min
